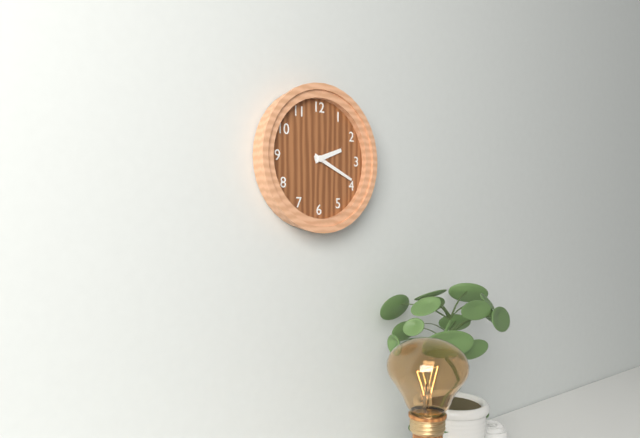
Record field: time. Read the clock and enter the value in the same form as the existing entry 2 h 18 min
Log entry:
2 h 19 min
